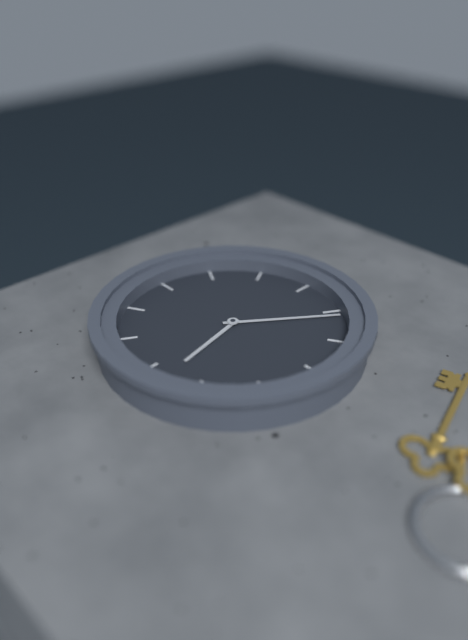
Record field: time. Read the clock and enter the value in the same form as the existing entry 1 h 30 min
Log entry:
11 h 36 min
